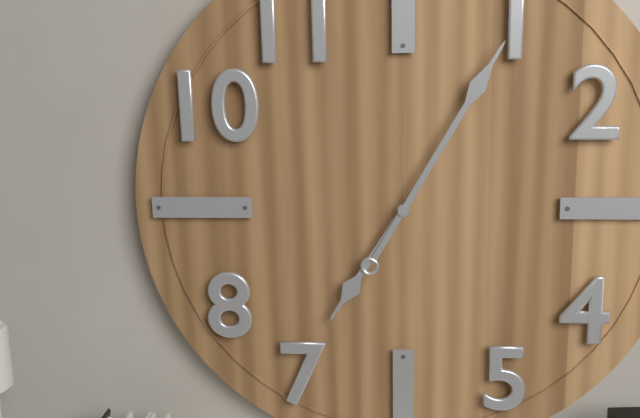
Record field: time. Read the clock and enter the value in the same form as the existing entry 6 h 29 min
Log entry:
7 h 05 min
